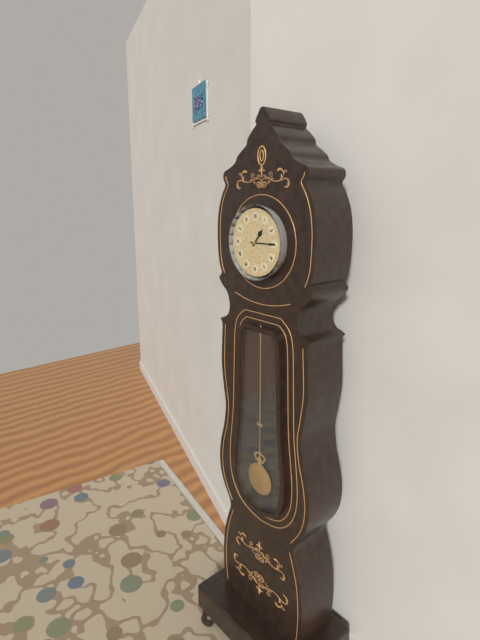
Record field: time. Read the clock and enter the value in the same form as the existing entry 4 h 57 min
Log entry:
1 h 15 min
